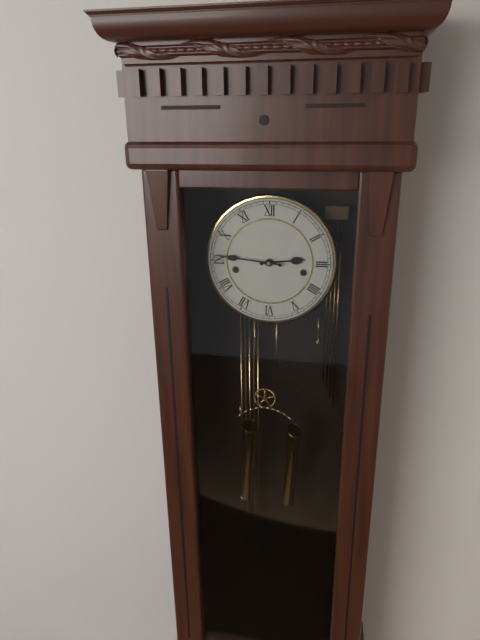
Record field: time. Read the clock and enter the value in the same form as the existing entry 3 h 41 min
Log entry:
2 h 46 min
